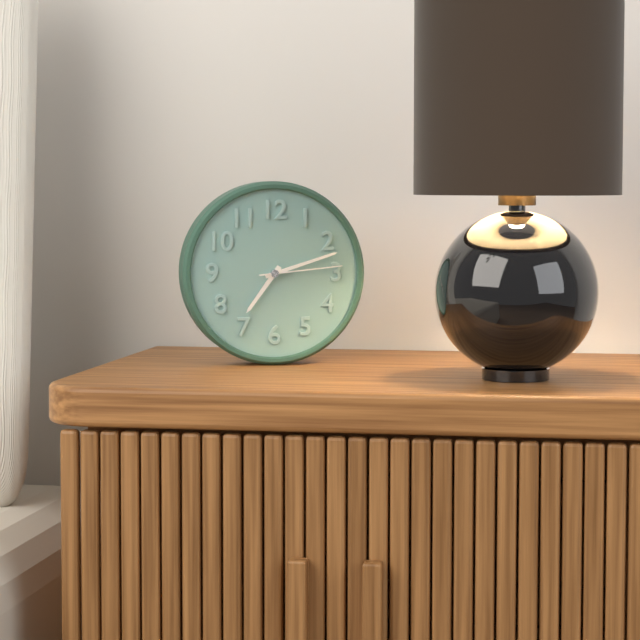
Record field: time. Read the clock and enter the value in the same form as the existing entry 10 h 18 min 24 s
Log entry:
7 h 12 min 14 s
